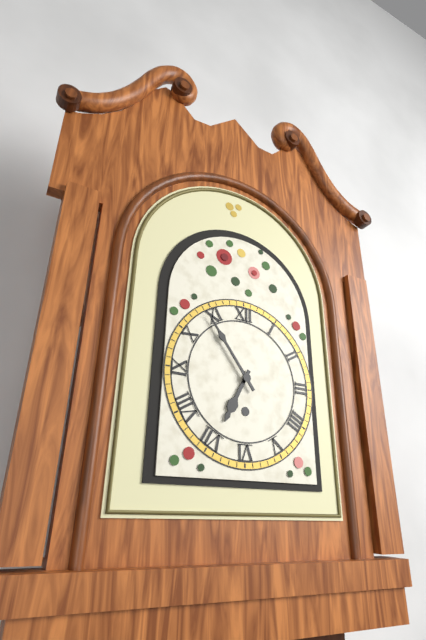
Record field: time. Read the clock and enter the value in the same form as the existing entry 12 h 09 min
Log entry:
6 h 54 min
